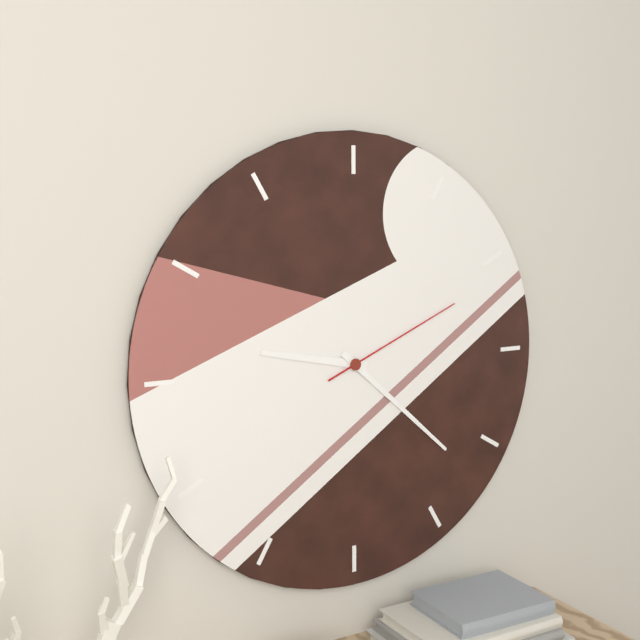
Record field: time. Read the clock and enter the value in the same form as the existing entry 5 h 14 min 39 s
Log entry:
9 h 22 min 11 s
